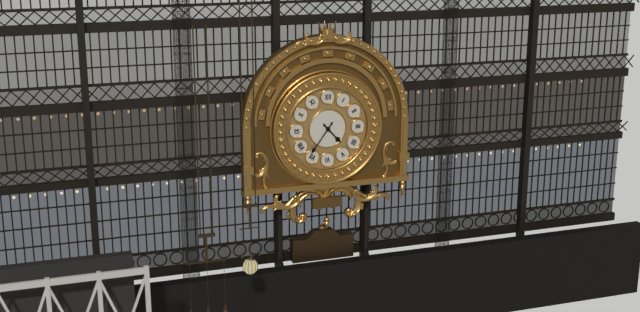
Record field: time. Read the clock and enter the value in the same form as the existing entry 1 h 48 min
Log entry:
4 h 36 min
